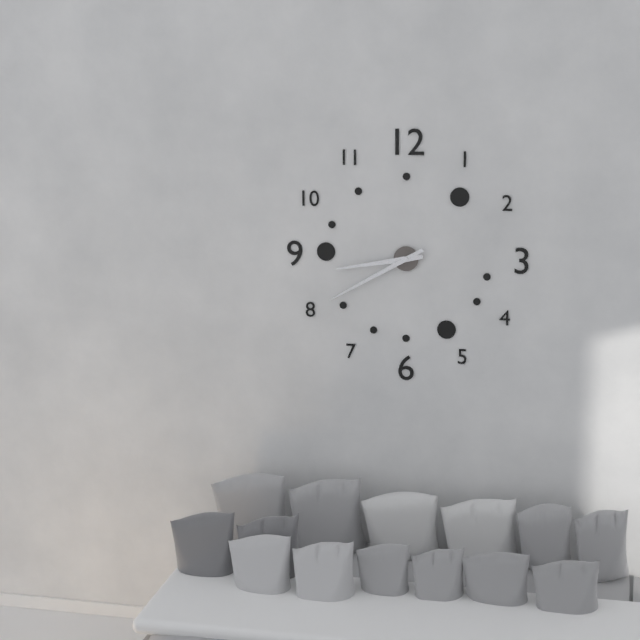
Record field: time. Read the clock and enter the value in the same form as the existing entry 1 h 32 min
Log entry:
8 h 40 min
